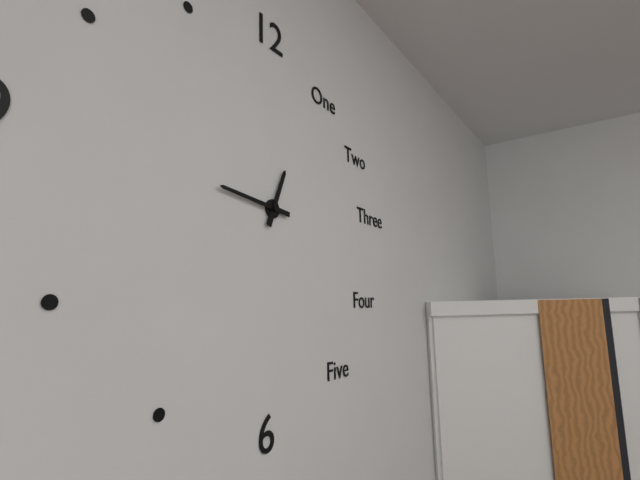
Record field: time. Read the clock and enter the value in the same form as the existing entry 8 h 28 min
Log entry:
12 h 46 min
